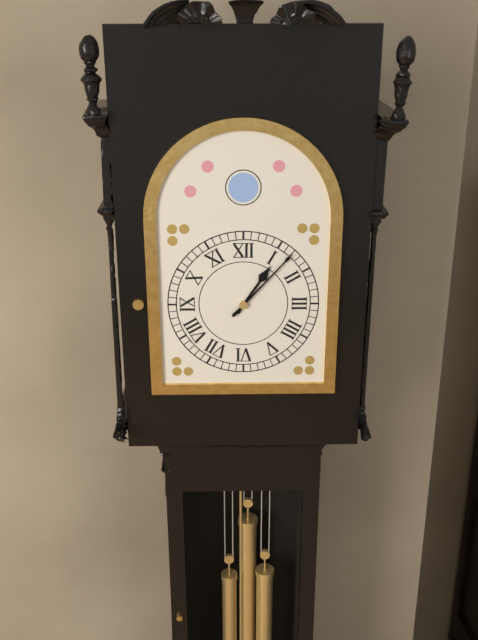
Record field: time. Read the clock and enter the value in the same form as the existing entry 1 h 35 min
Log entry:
1 h 07 min
